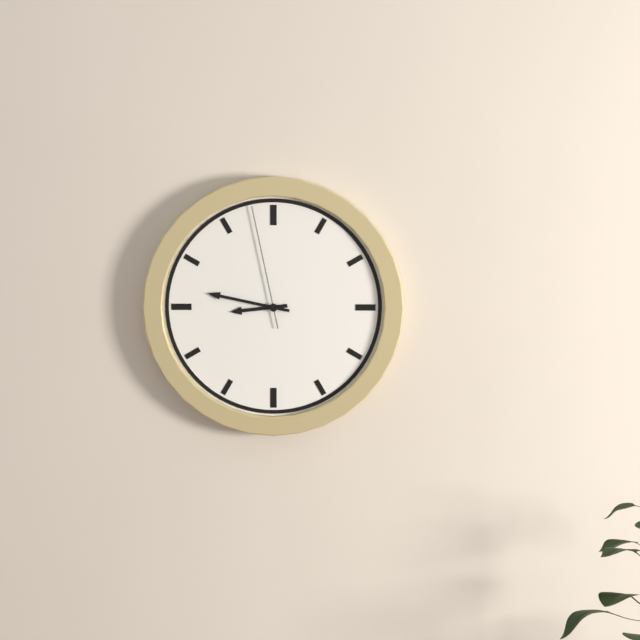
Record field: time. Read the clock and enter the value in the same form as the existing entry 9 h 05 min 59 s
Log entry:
8 h 47 min 58 s
